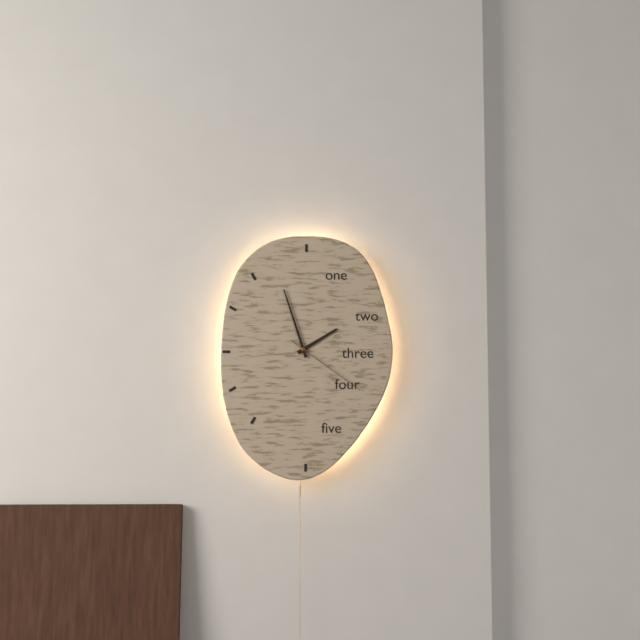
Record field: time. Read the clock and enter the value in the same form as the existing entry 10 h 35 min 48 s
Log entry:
1 h 57 min 21 s
